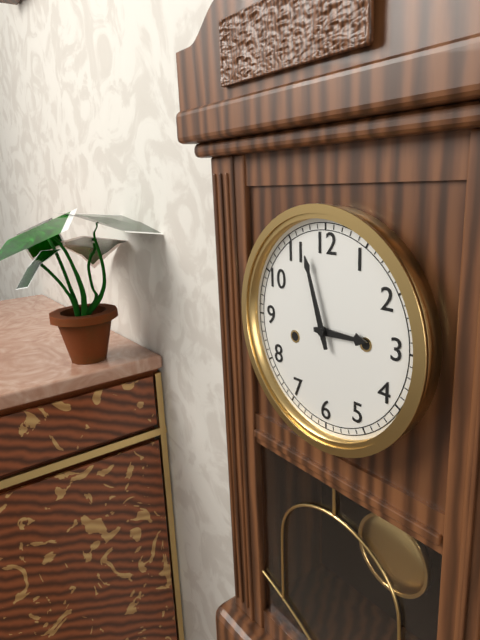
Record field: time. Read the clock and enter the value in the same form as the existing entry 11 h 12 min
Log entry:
2 h 57 min
